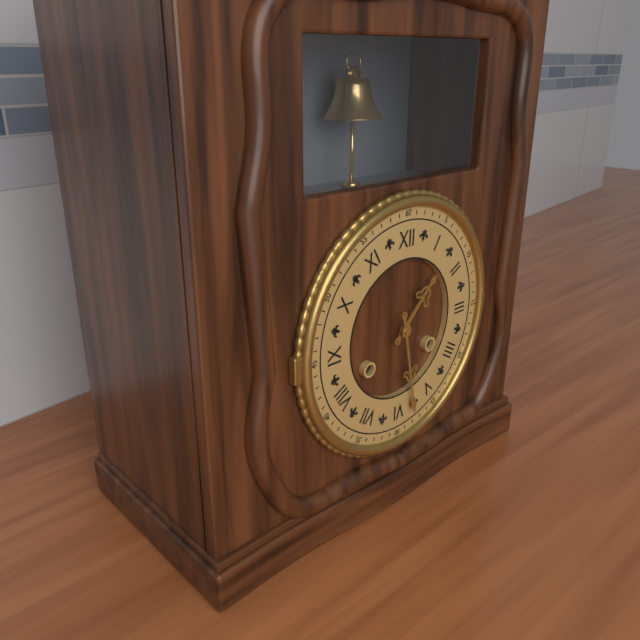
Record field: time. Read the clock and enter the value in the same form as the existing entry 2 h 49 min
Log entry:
1 h 28 min
